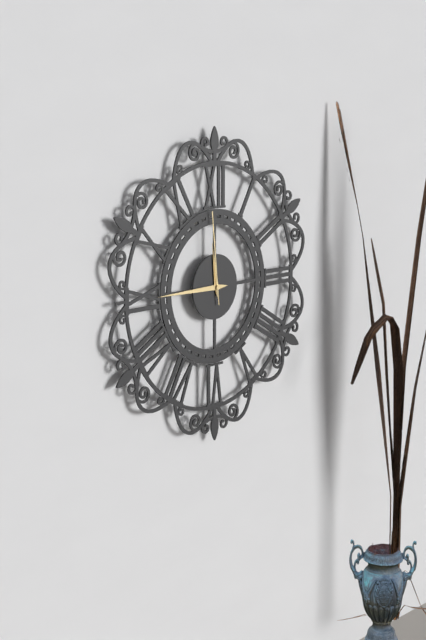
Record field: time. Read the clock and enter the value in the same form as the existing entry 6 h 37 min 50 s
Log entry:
11 h 45 min 59 s
